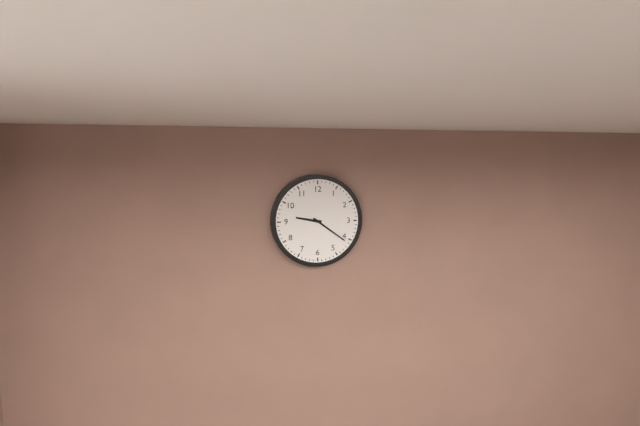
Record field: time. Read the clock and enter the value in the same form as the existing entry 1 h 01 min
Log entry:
9 h 21 min
